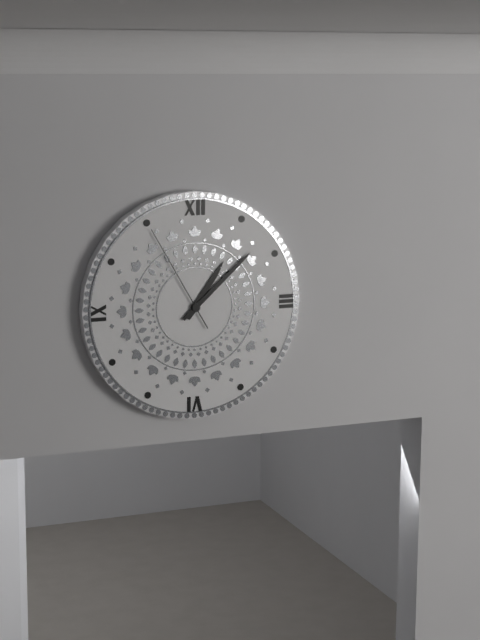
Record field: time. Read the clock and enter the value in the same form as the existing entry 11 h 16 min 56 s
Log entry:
1 h 08 min 55 s
